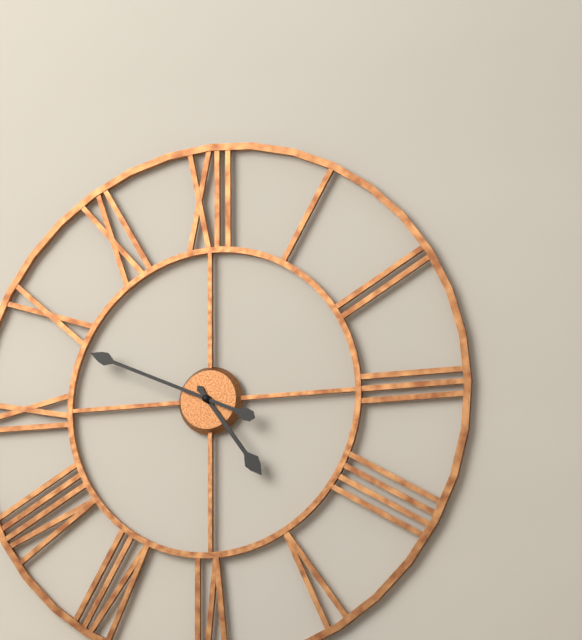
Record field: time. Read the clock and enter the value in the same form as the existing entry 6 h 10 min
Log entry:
4 h 49 min
